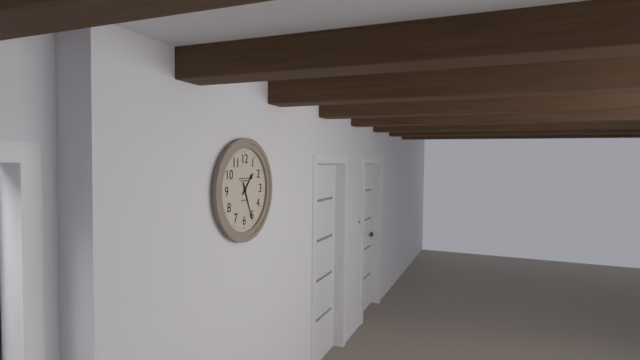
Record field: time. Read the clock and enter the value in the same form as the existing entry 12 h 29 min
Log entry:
1 h 26 min
